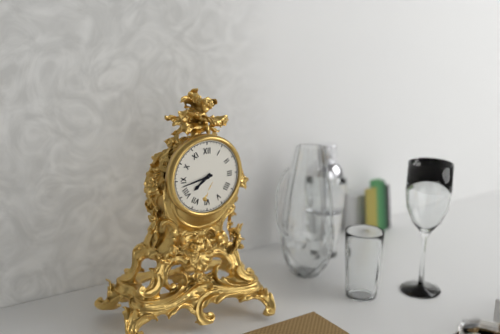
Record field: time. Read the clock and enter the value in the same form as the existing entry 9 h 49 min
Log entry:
7 h 43 min
